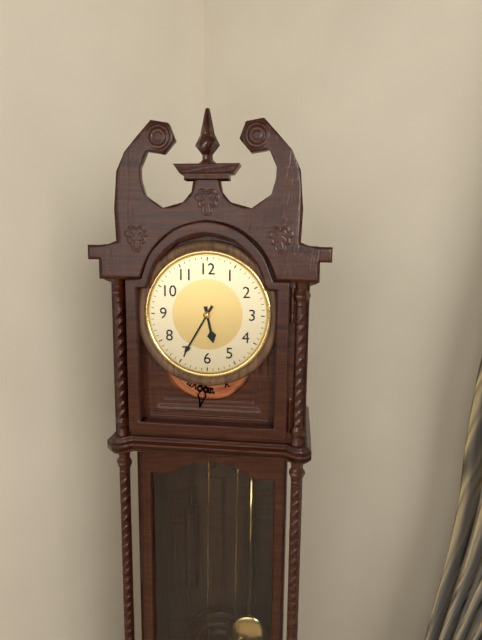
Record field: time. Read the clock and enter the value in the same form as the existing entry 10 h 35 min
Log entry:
5 h 35 min
